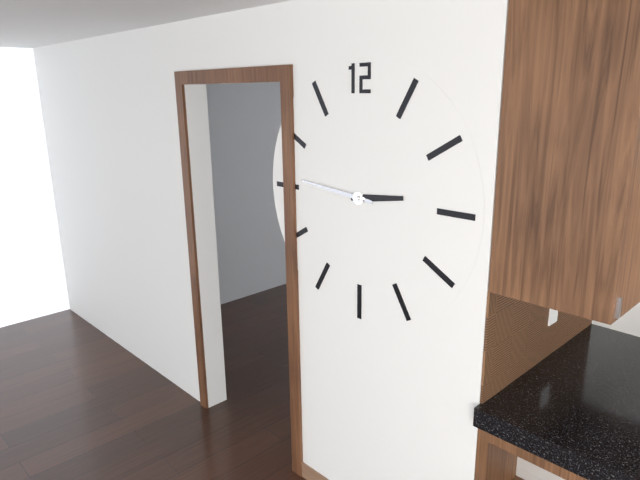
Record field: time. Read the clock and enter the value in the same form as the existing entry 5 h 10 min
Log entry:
2 h 46 min
